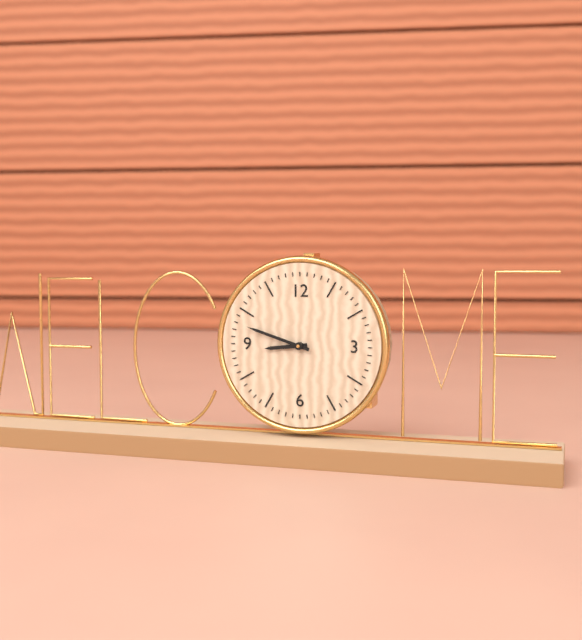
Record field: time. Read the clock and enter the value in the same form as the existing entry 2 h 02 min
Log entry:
8 h 48 min
